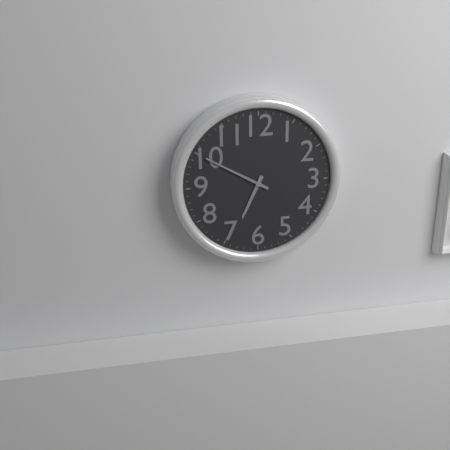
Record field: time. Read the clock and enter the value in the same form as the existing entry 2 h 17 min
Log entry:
6 h 50 min
